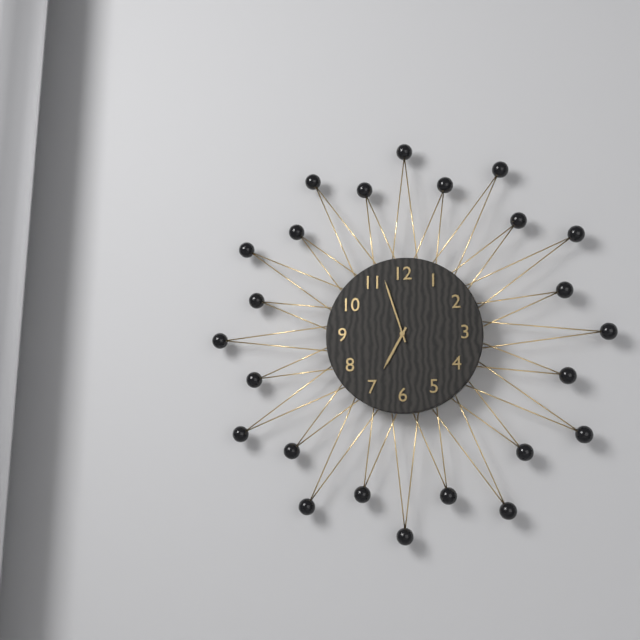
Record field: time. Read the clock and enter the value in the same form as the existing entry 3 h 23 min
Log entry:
6 h 57 min
